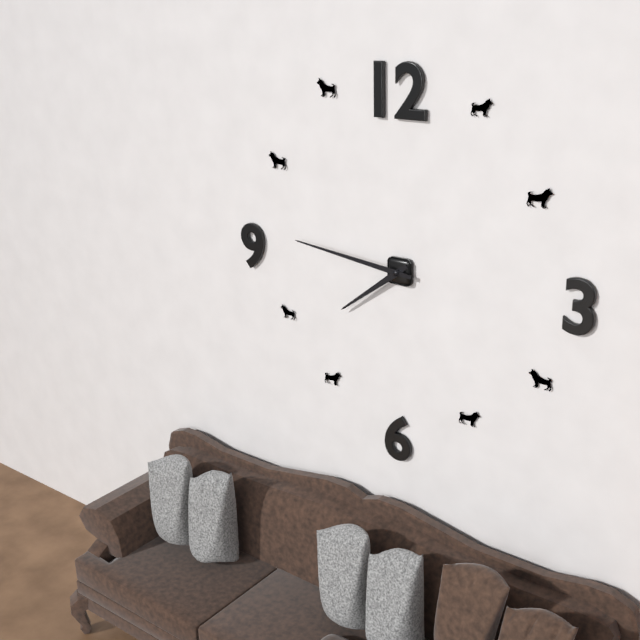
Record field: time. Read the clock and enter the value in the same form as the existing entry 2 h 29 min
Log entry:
7 h 46 min
